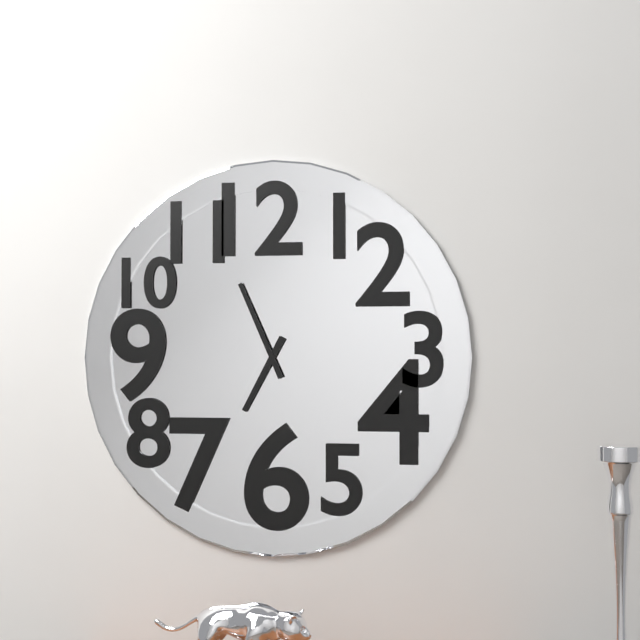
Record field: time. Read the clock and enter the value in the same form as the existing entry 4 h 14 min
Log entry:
6 h 56 min
